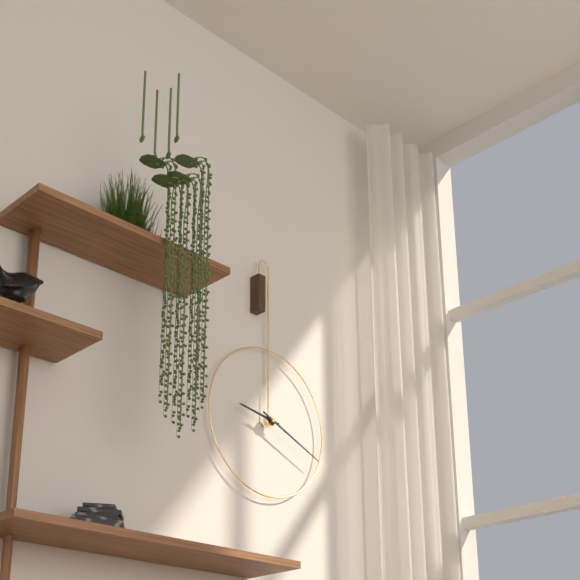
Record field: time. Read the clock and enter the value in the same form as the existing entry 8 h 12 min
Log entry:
9 h 19 min
